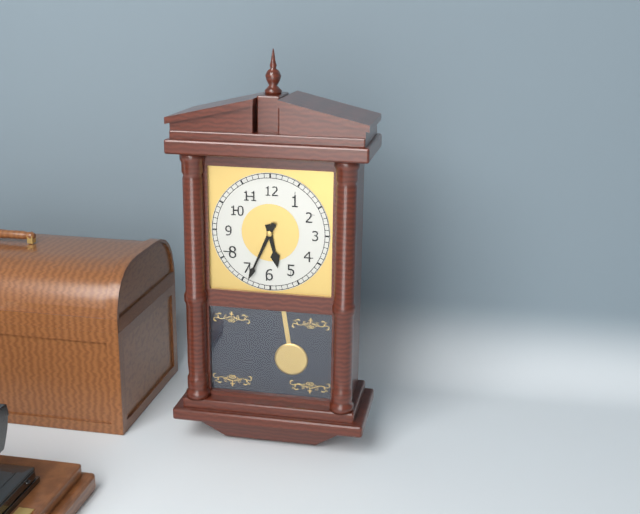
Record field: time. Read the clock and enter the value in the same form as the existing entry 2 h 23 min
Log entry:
5 h 34 min
